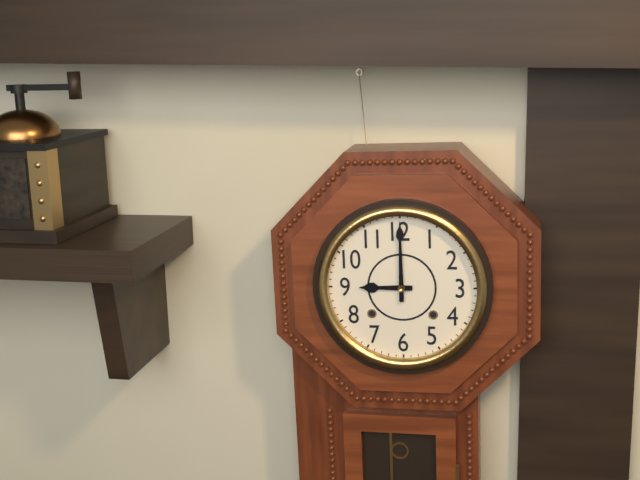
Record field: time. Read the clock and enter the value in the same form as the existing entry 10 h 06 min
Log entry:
9 h 00 min
